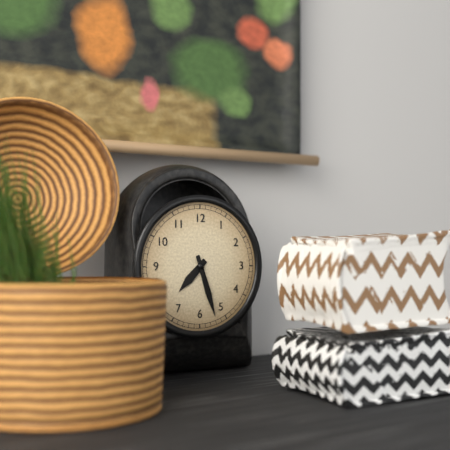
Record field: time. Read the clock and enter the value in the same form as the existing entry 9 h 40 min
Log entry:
7 h 27 min
